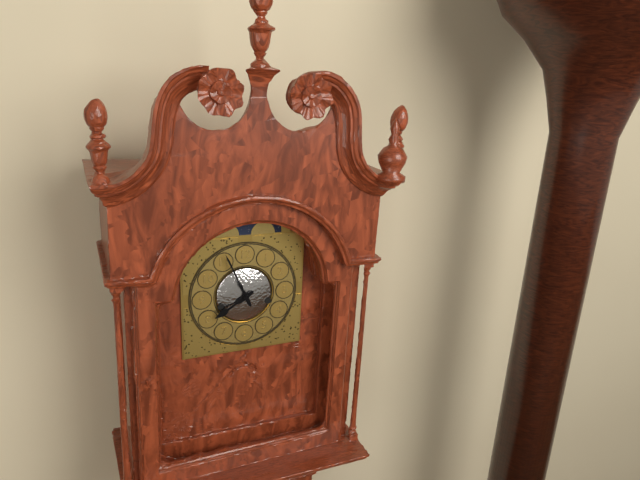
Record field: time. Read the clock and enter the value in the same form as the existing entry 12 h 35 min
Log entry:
7 h 56 min
